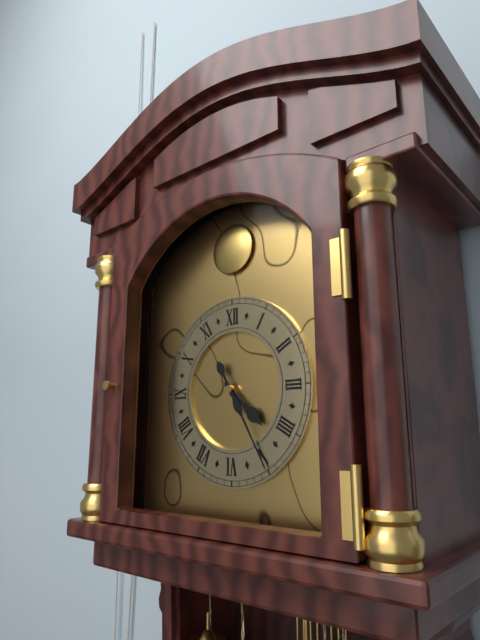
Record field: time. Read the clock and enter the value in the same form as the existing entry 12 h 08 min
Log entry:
4 h 25 min
